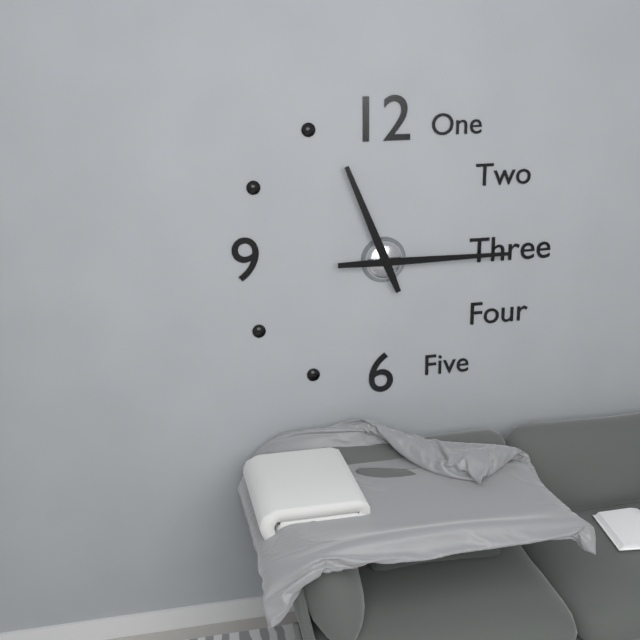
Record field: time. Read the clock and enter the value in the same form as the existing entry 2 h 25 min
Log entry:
11 h 15 min
